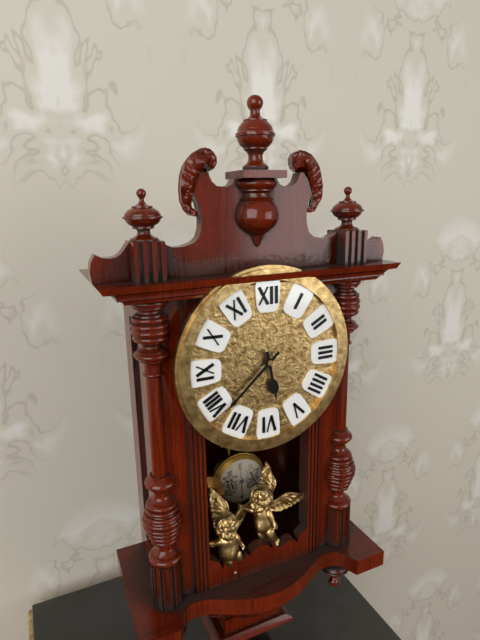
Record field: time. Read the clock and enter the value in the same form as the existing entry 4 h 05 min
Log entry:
5 h 38 min
